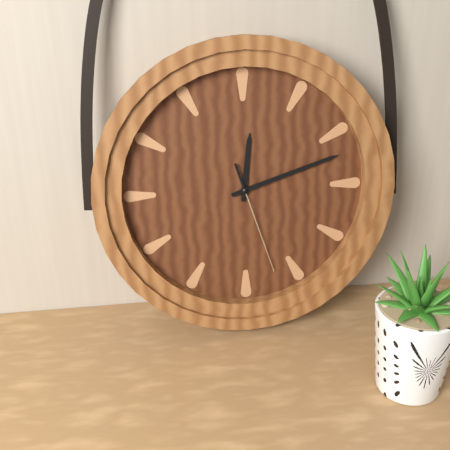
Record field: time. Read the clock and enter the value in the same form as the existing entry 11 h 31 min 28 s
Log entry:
12 h 12 min 27 s
